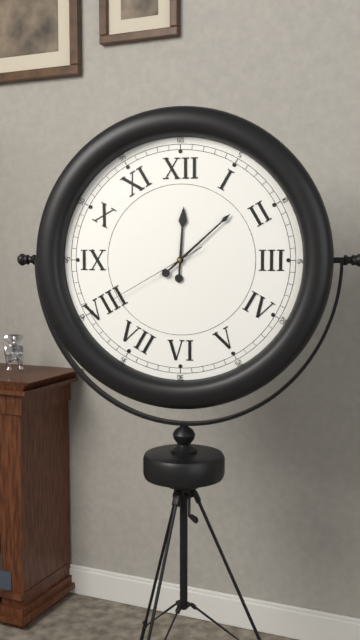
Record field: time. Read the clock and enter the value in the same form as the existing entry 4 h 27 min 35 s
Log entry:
12 h 08 min 40 s
